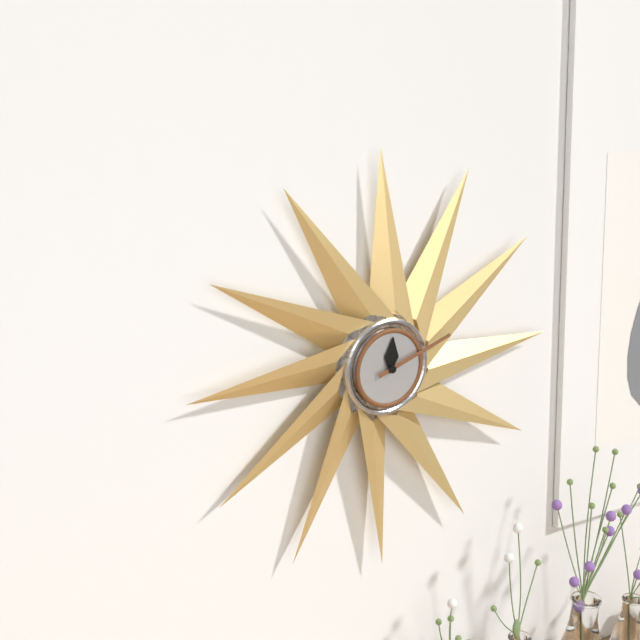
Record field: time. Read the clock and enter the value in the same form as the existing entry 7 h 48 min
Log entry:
12 h 12 min
